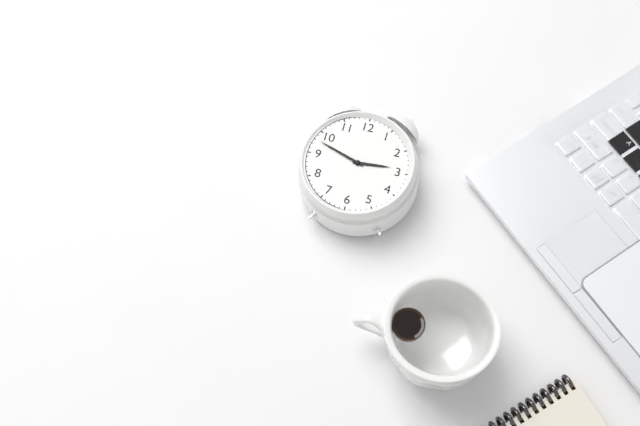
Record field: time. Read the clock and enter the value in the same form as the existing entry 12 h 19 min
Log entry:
2 h 48 min
